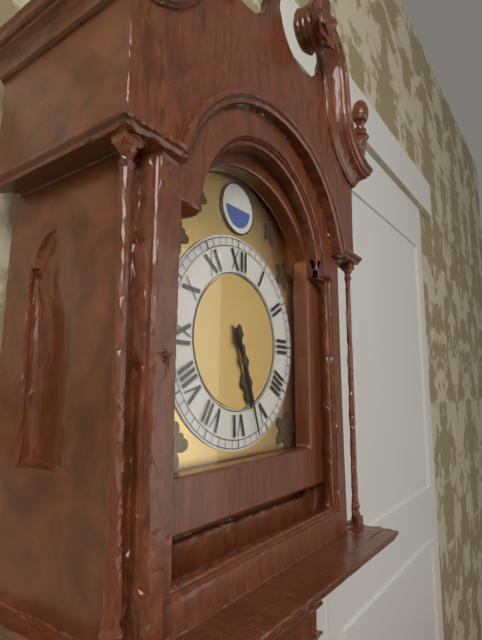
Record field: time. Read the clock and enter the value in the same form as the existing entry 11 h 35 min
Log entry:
5 h 27 min
